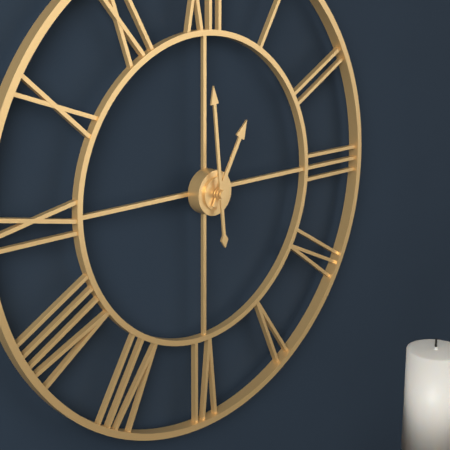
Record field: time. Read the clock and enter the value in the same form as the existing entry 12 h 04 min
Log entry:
12 h 59 min
